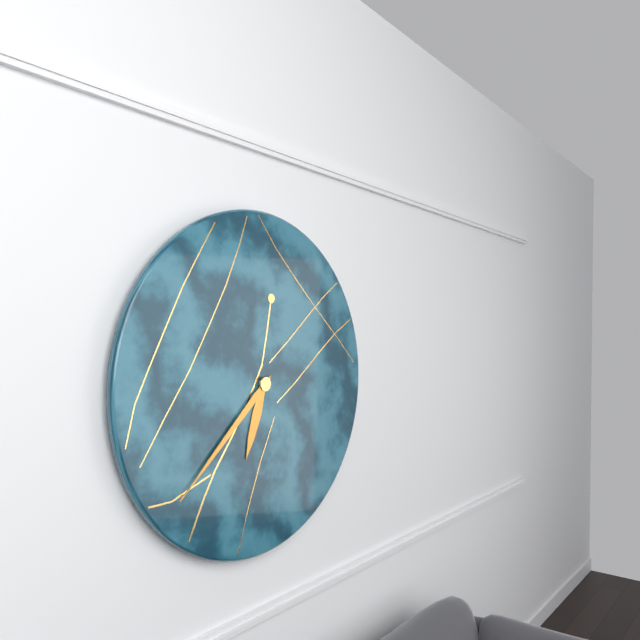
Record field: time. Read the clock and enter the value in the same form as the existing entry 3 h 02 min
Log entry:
6 h 38 min
